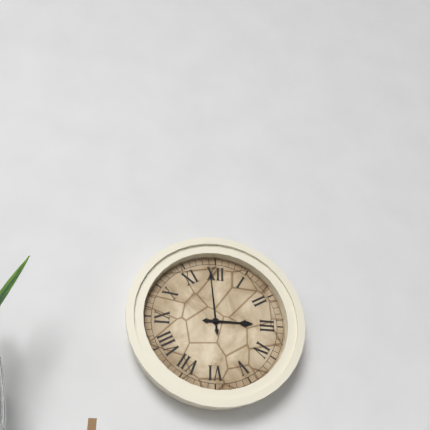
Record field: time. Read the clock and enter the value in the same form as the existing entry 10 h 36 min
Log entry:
2 h 59 min
